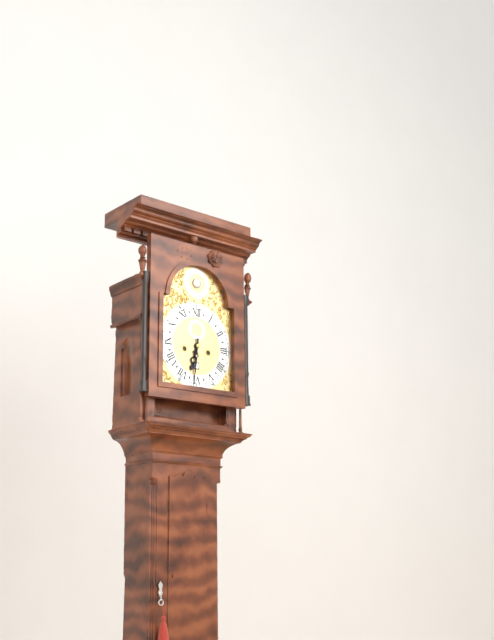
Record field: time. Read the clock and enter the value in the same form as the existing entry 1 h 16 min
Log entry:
6 h 31 min
